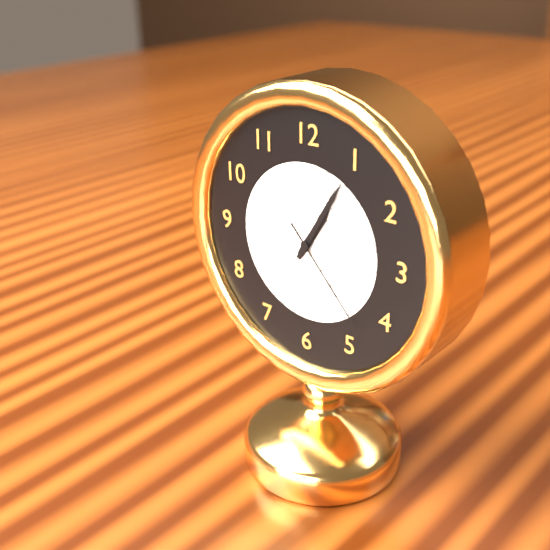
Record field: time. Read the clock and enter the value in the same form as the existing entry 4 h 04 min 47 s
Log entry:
1 h 05 min 23 s
